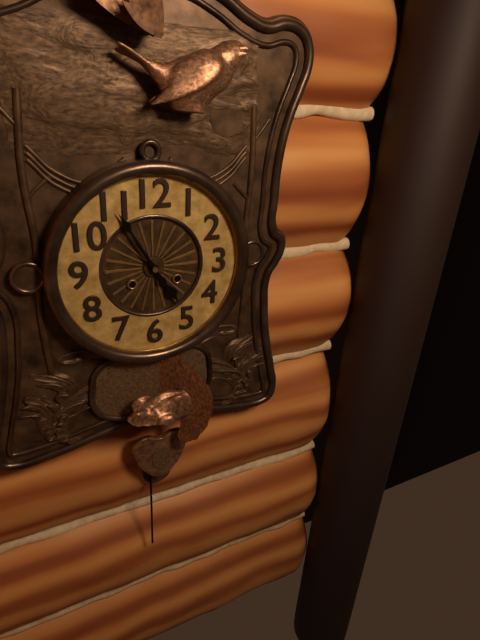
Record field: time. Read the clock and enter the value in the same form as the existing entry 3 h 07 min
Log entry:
4 h 55 min
